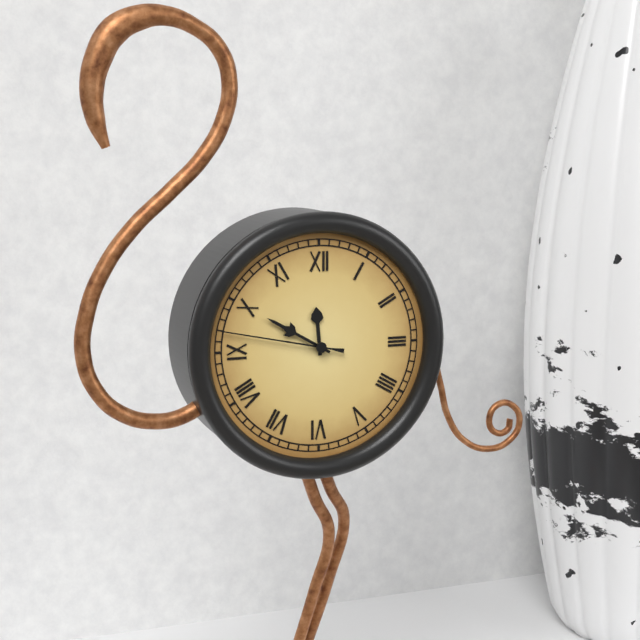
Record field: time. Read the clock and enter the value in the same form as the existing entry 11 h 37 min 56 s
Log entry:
11 h 50 min 47 s
